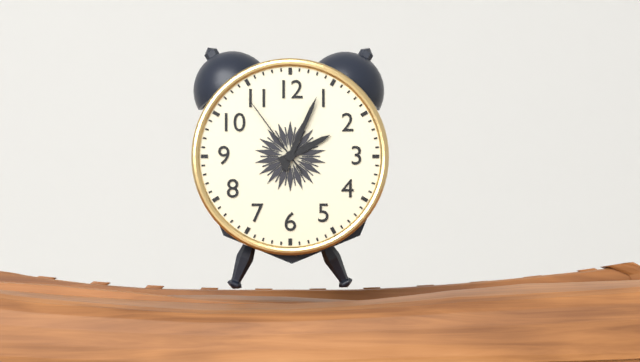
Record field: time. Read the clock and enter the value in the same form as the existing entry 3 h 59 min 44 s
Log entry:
2 h 04 min 54 s
